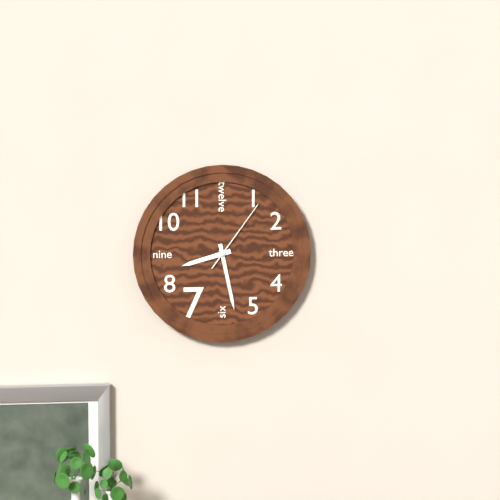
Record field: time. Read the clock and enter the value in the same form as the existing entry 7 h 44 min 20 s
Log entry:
8 h 28 min 06 s
